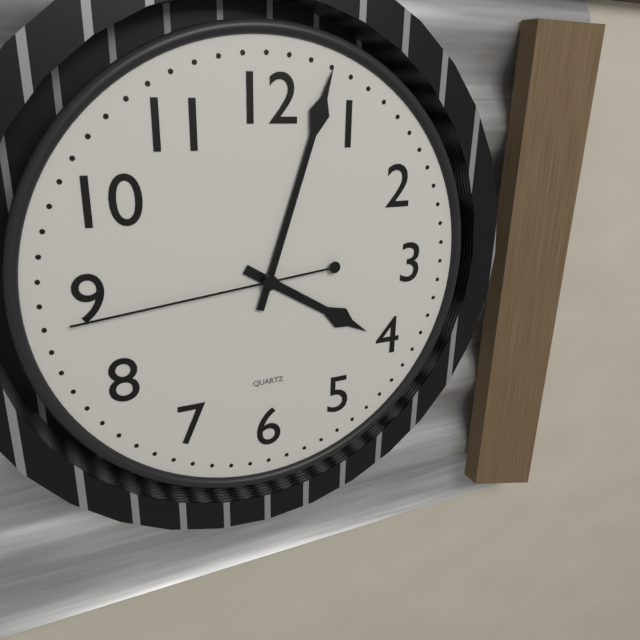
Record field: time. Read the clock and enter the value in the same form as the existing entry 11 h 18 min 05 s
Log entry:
4 h 03 min 44 s
